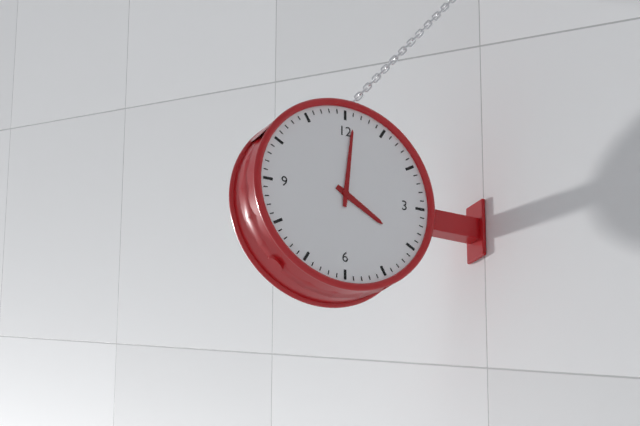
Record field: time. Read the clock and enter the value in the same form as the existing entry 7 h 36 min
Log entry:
4 h 01 min
